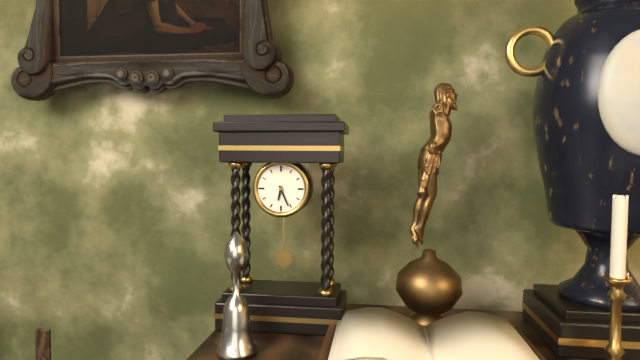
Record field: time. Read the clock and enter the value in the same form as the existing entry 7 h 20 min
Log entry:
6 h 26 min
